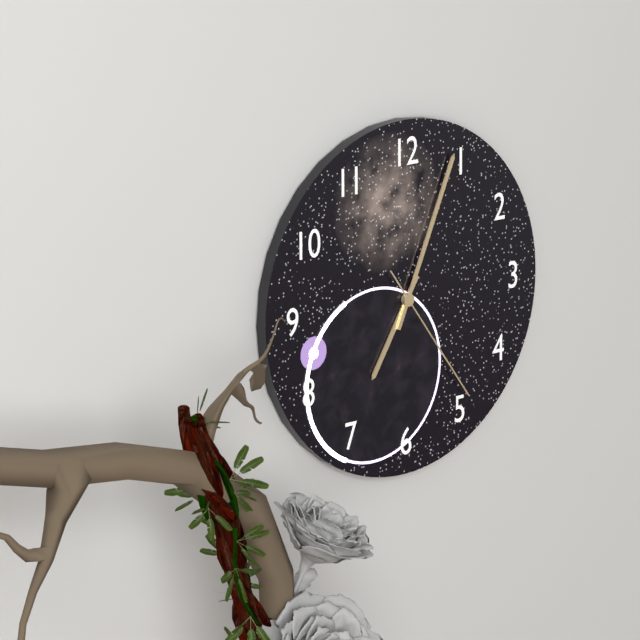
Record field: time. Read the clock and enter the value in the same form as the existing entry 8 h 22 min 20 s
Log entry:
7 h 04 min 24 s
